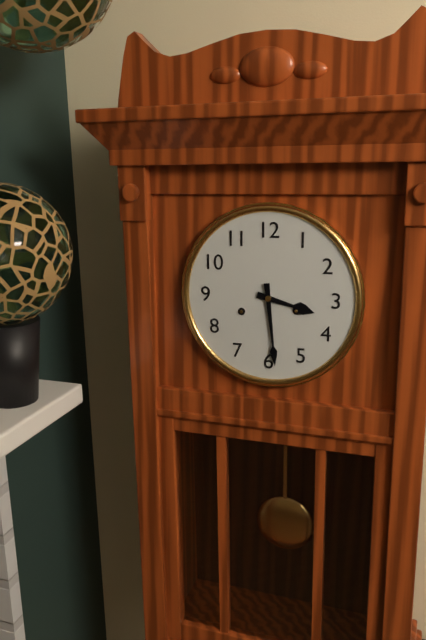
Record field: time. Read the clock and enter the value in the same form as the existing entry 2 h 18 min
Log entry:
3 h 29 min
